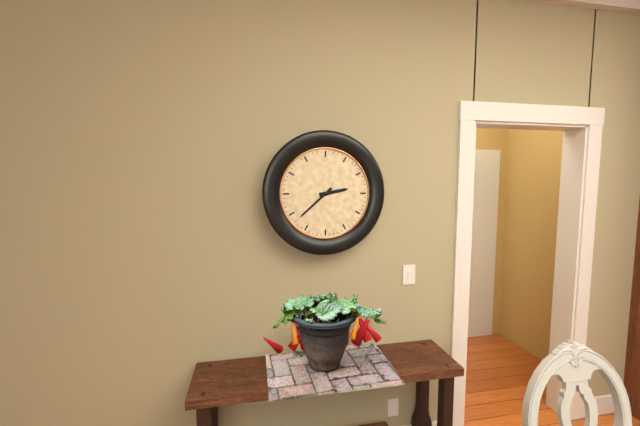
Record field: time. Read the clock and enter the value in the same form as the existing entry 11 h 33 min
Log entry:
2 h 38 min
